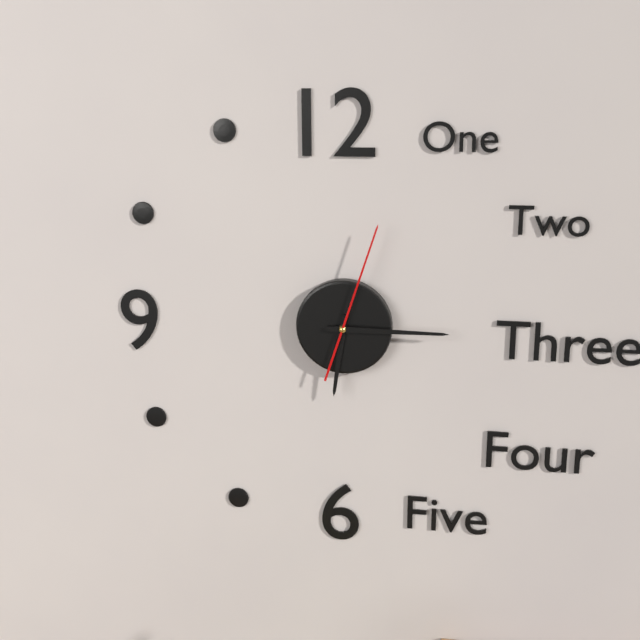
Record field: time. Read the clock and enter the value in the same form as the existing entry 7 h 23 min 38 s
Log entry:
6 h 15 min 03 s
